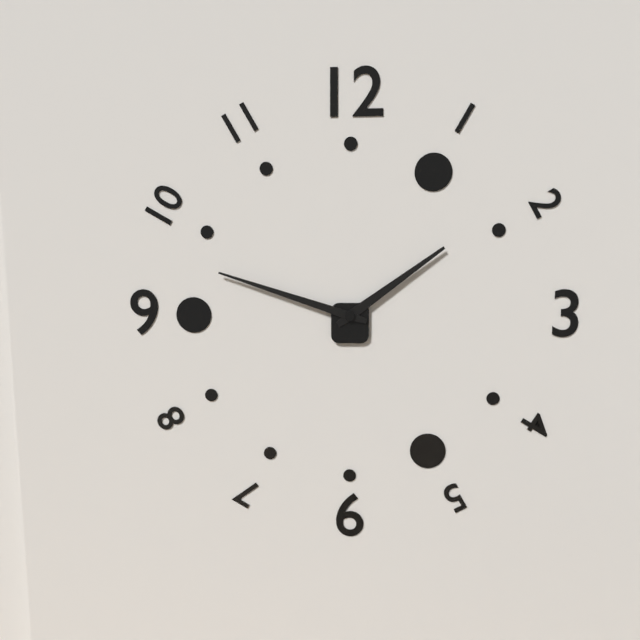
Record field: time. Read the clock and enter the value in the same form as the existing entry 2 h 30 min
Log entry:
1 h 48 min
